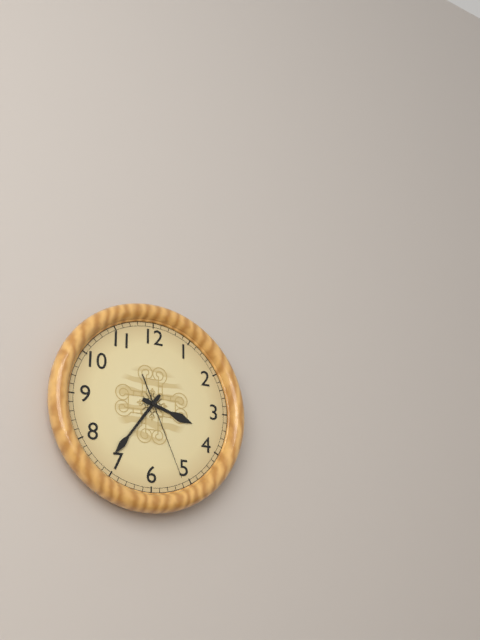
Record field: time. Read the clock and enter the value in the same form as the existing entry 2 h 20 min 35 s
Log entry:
3 h 36 min 26 s
